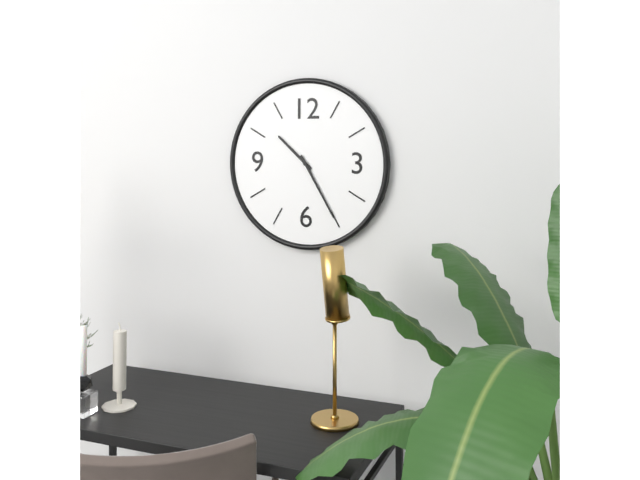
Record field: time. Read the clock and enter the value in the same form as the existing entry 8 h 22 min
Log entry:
10 h 25 min
